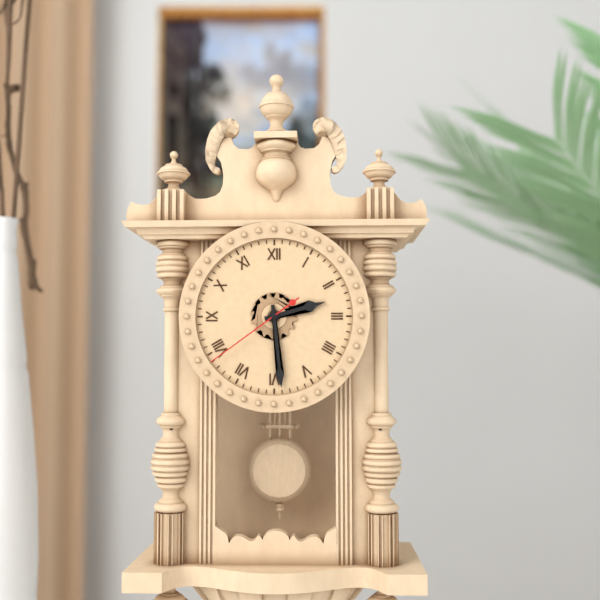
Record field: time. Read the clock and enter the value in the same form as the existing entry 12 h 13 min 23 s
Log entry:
2 h 29 min 39 s
